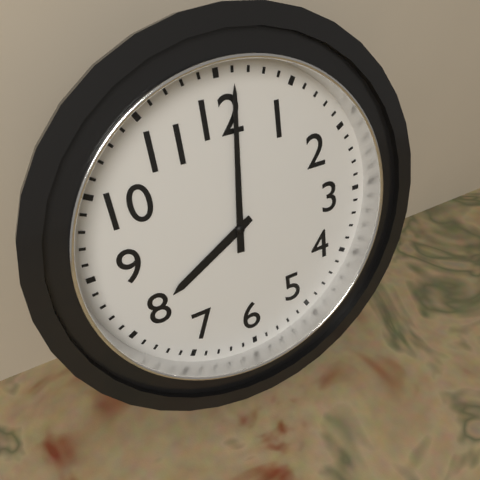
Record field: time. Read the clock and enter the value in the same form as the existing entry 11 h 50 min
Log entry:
8 h 01 min
